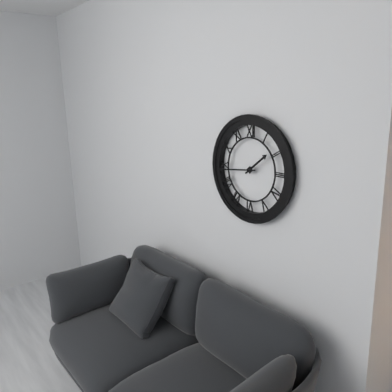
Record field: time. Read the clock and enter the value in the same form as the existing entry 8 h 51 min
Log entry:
1 h 44 min
